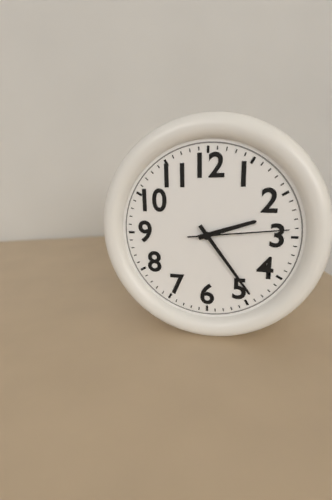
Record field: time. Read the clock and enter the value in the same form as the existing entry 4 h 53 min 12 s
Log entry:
2 h 24 min 14 s
